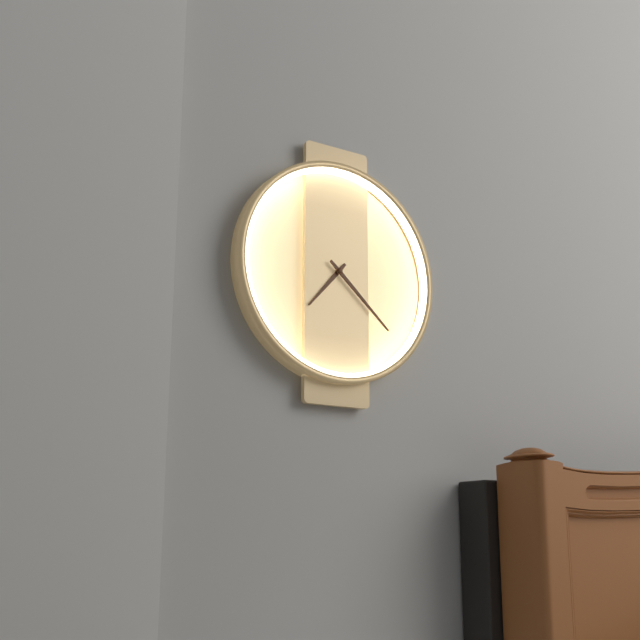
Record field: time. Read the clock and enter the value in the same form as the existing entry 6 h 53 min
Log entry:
7 h 22 min
